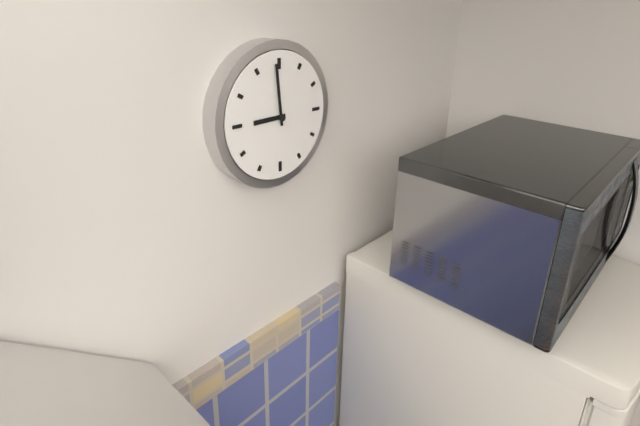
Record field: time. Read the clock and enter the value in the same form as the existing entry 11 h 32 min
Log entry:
8 h 59 min
